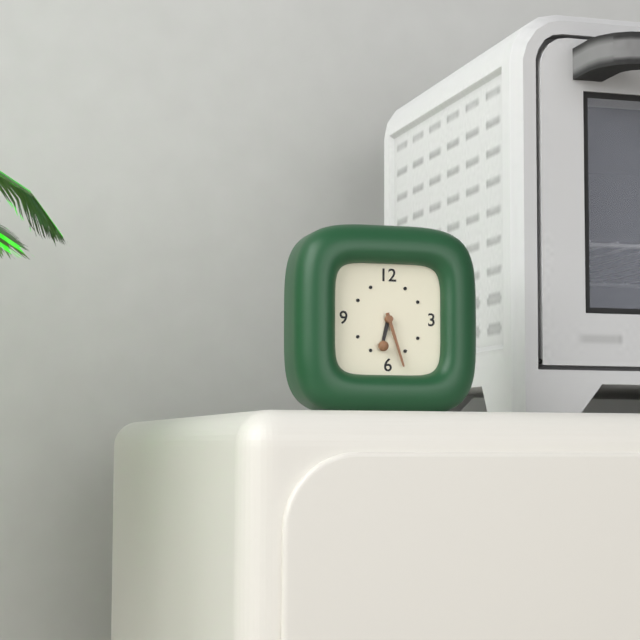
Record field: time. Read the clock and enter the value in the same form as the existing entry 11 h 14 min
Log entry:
6 h 27 min
